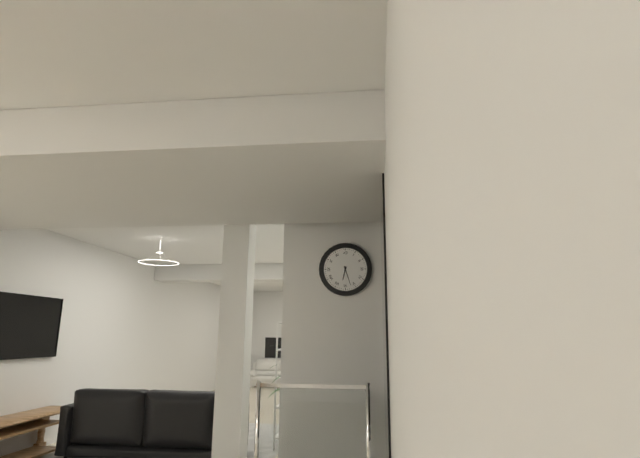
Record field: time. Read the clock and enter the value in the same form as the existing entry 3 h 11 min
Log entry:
6 h 27 min
